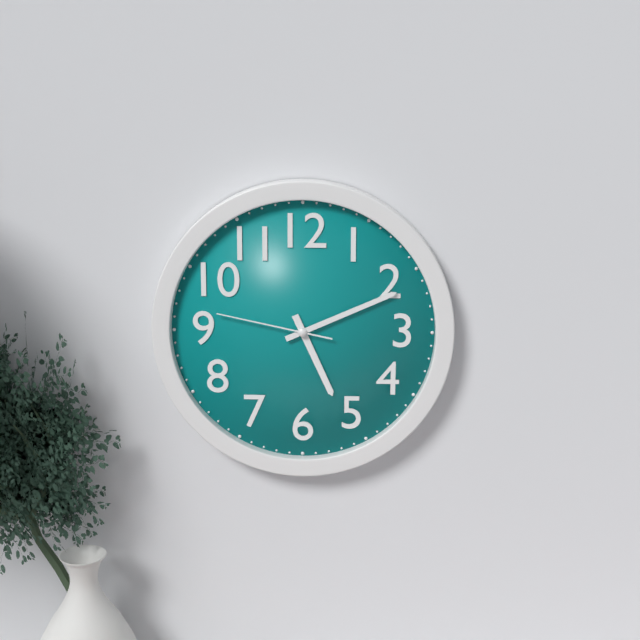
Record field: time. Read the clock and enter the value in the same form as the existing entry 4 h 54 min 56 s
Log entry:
5 h 11 min 47 s
